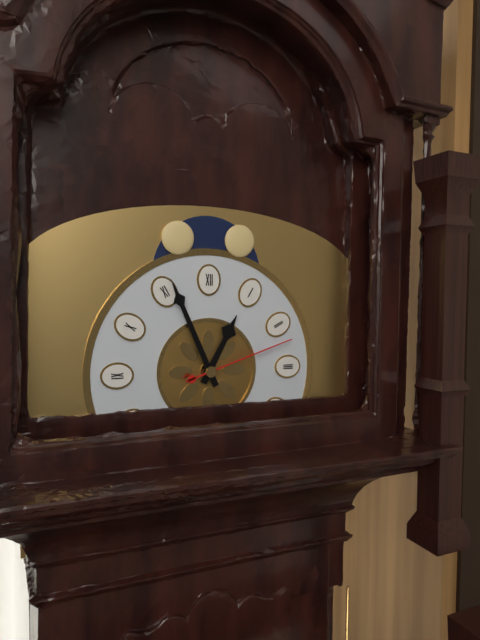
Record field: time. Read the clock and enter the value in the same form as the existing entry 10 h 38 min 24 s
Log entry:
12 h 56 min 12 s
